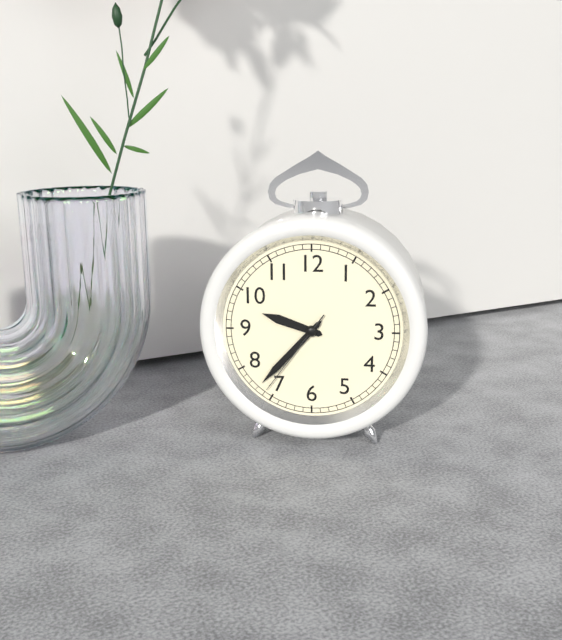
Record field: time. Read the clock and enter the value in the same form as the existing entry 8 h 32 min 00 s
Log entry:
9 h 37 min 36 s
